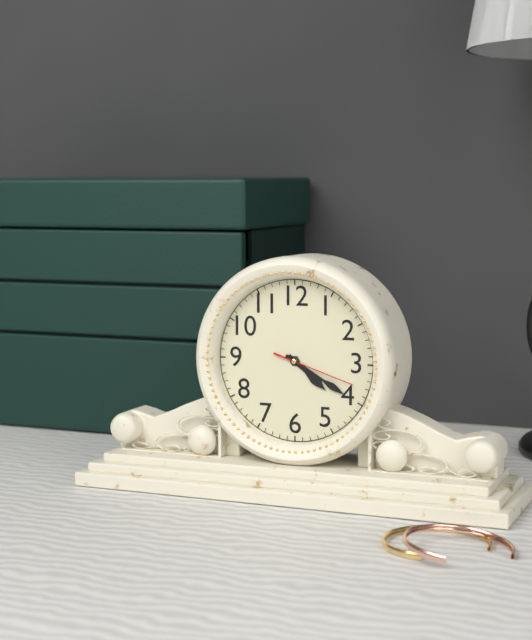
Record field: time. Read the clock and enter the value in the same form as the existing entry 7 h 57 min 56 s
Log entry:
4 h 20 min 18 s
